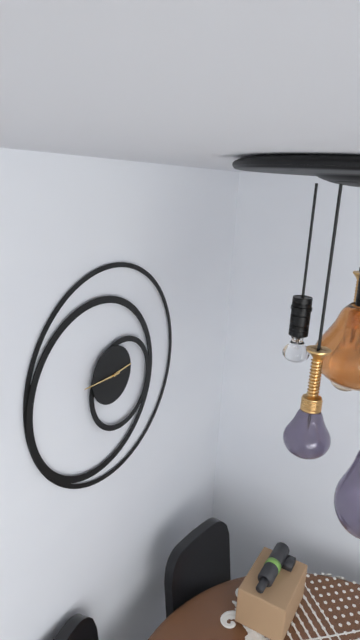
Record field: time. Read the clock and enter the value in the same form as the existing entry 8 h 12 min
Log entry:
2 h 45 min
